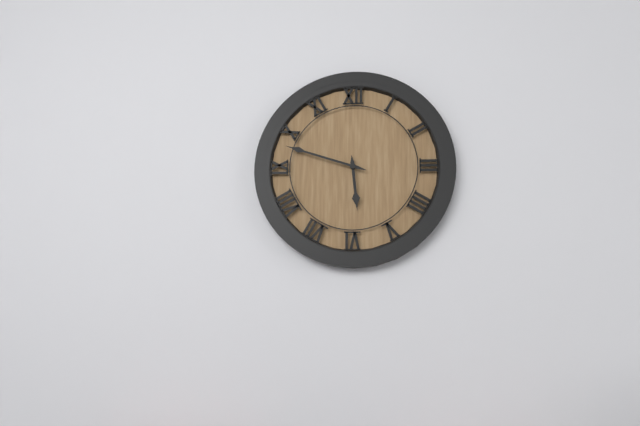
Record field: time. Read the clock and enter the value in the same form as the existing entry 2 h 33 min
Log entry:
5 h 48 min
